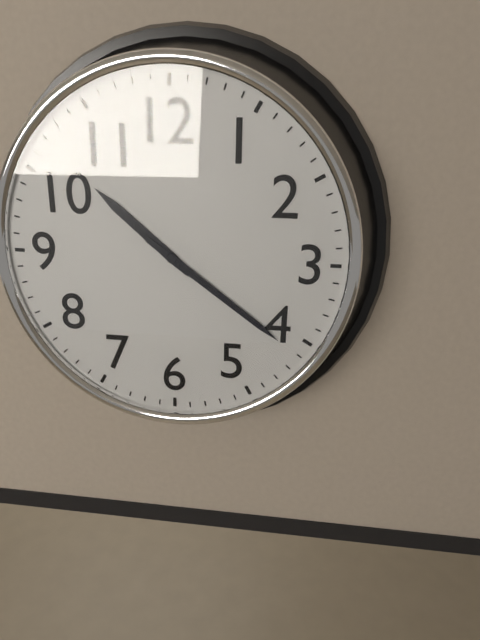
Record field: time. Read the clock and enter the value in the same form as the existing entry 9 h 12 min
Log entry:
10 h 21 min
